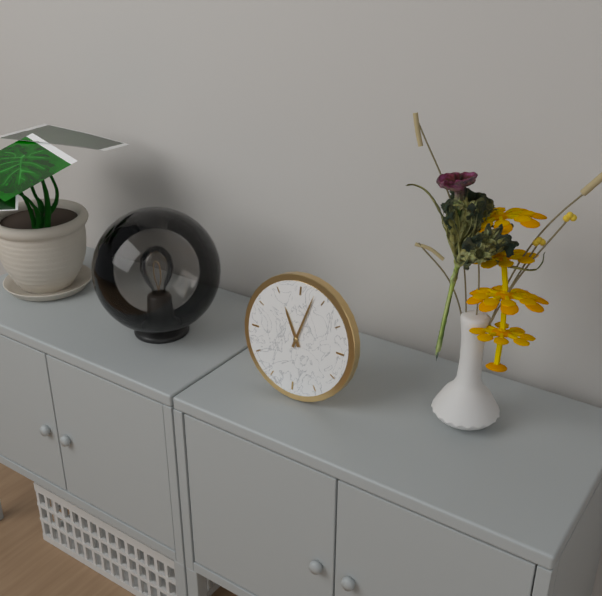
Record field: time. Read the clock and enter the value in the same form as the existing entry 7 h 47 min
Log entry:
11 h 03 min
